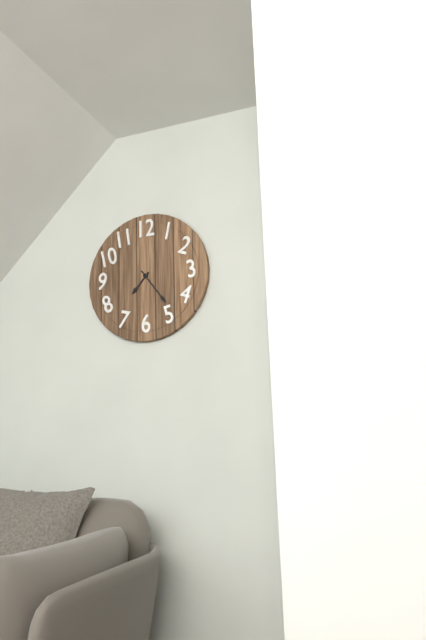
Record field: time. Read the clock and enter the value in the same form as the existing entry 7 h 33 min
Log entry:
7 h 24 min
